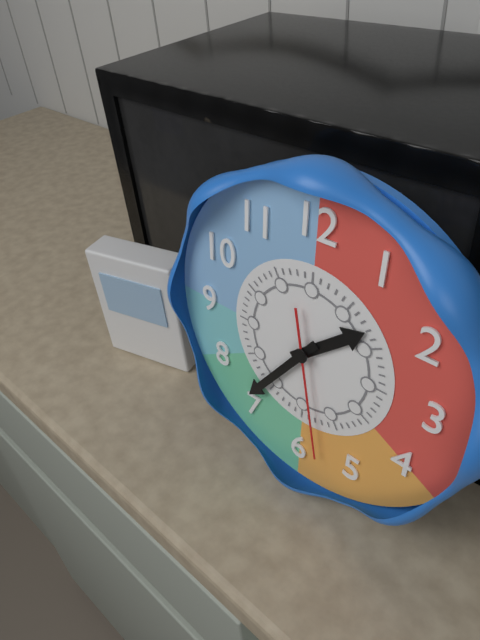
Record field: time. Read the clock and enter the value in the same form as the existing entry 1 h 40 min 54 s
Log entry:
1 h 36 min 28 s
